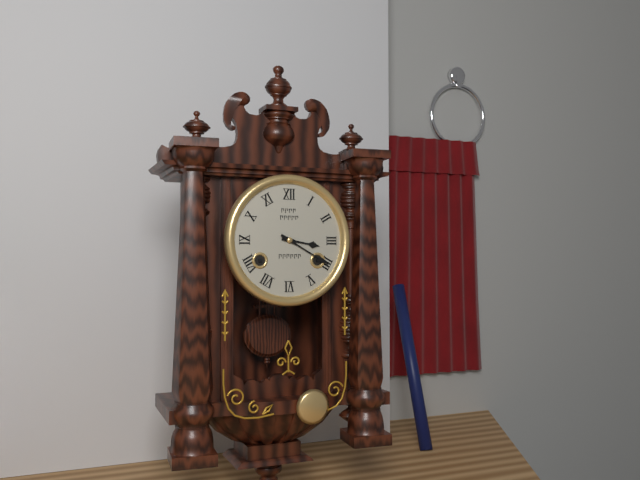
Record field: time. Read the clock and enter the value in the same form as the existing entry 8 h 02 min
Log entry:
3 h 20 min
